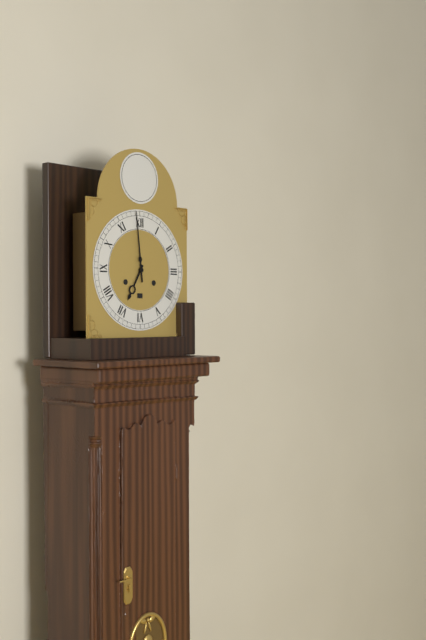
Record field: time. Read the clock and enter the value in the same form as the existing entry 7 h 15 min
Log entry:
6 h 59 min
